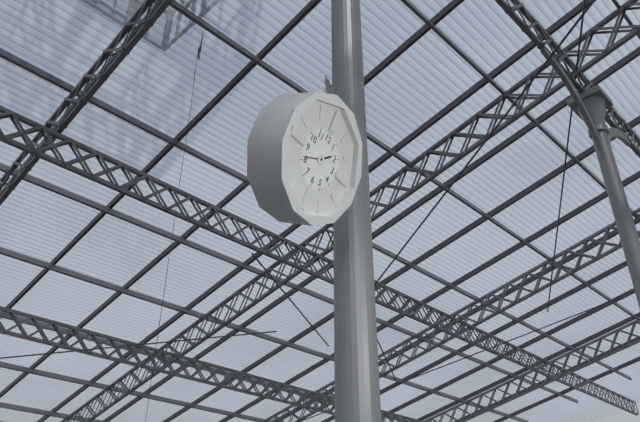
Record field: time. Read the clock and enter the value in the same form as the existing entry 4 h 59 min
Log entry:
1 h 41 min
